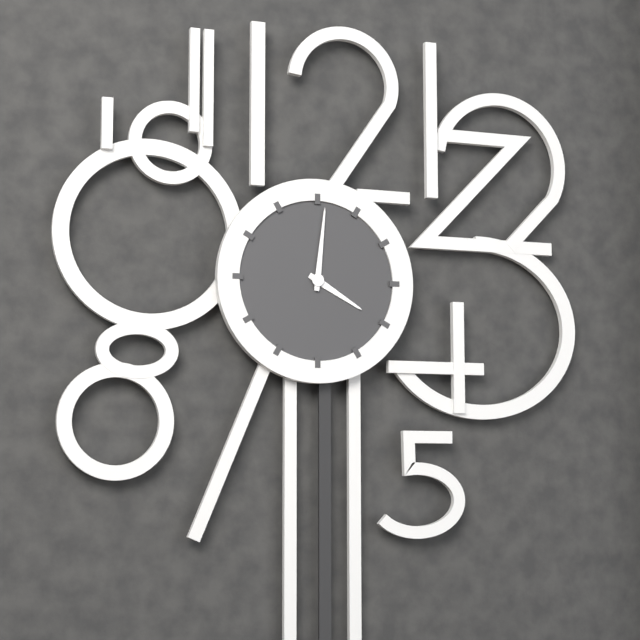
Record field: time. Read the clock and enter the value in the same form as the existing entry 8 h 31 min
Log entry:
4 h 01 min
